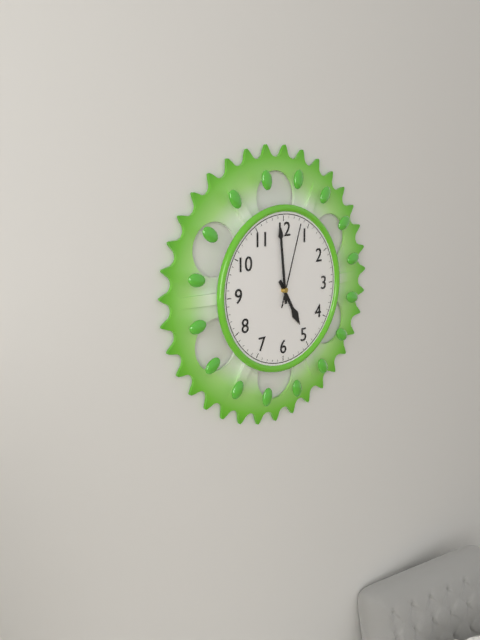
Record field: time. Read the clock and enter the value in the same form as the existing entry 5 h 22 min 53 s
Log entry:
4 h 59 min 03 s
